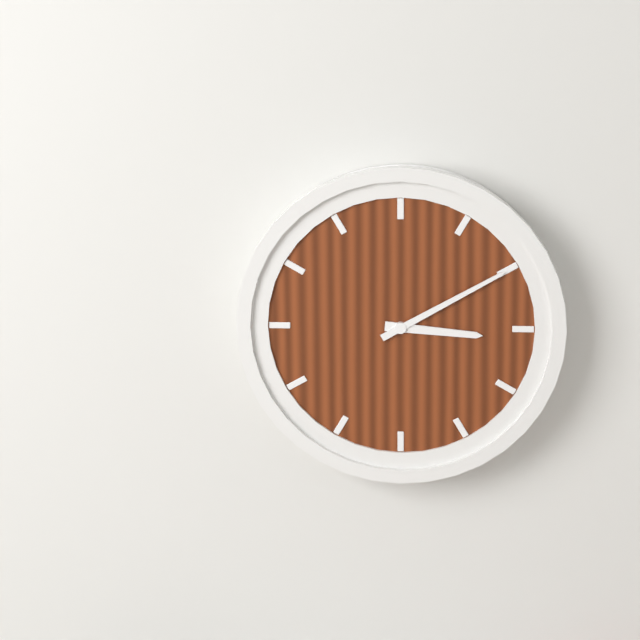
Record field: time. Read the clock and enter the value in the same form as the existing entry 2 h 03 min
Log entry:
3 h 10 min
